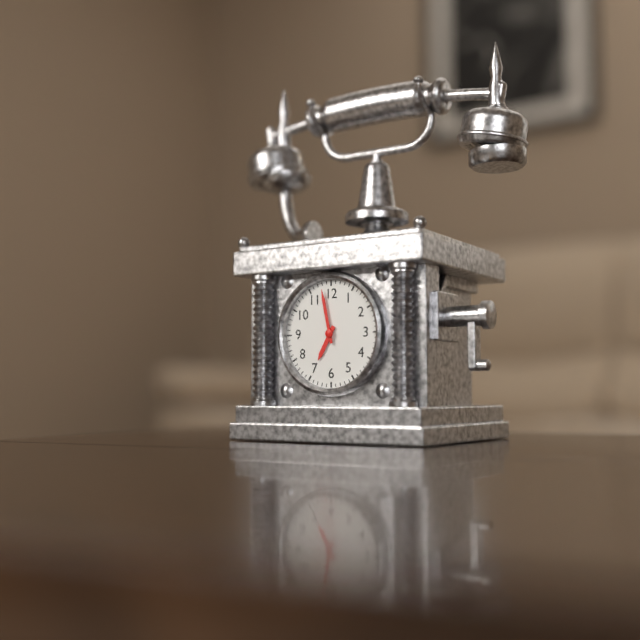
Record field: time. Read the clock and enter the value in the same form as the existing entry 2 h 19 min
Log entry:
6 h 58 min
